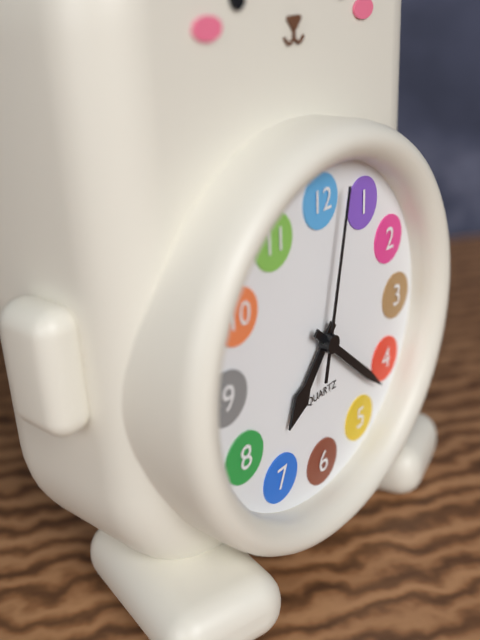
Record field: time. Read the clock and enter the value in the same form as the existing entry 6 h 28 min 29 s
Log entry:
7 h 22 min 02 s
